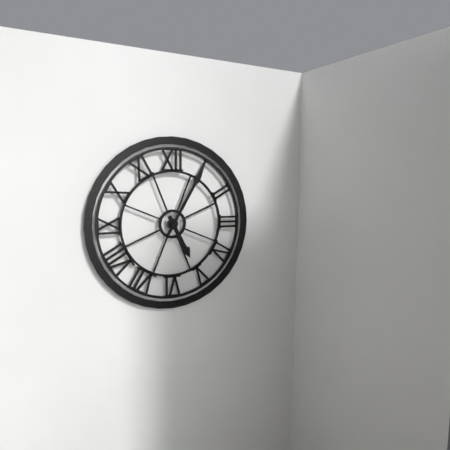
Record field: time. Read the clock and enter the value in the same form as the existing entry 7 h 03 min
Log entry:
5 h 05 min
